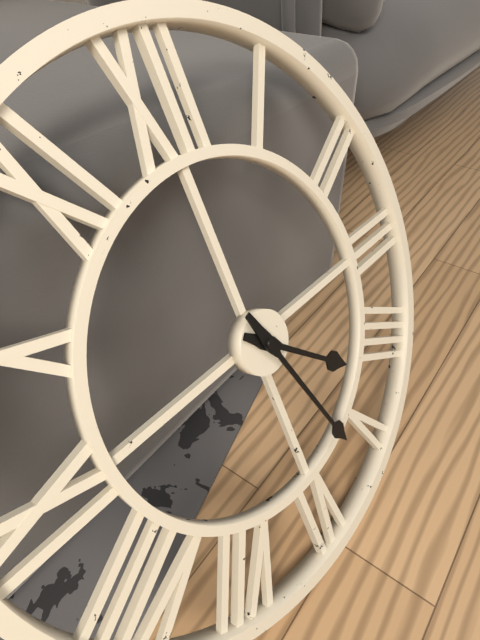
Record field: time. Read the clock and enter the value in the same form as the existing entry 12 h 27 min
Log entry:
4 h 27 min
